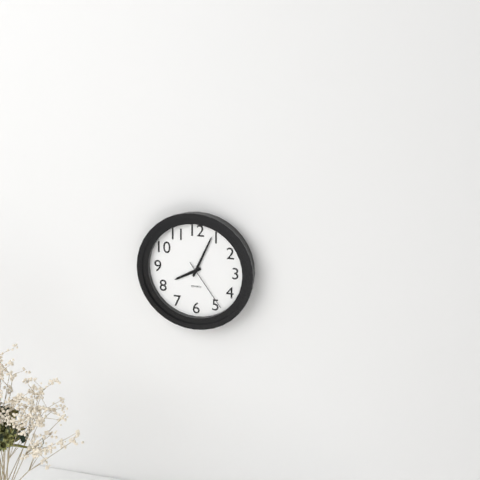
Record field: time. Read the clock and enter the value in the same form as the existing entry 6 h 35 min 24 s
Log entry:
8 h 04 min 24 s
